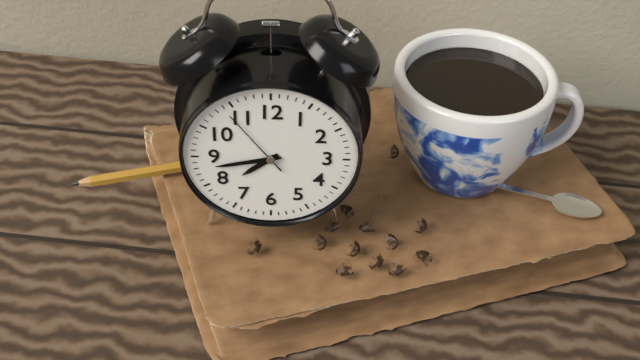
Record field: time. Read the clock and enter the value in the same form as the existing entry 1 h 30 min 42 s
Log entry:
7 h 43 min 54 s
